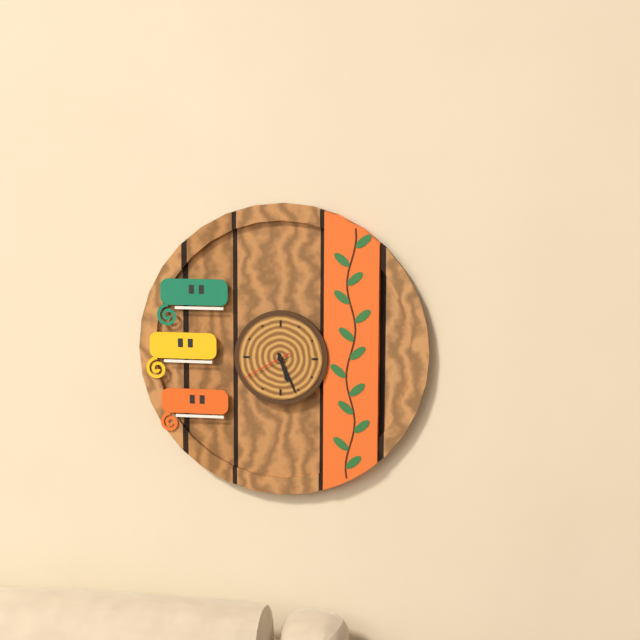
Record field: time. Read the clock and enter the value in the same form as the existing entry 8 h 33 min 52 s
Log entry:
5 h 26 min 40 s
